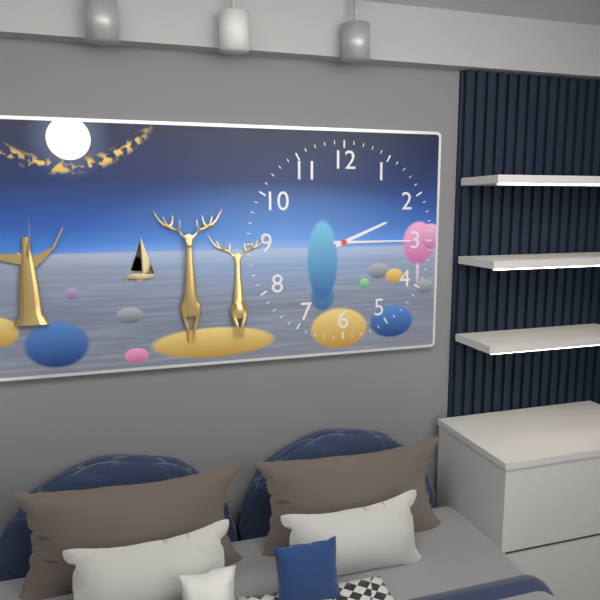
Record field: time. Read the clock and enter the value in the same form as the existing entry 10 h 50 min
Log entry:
2 h 15 min
